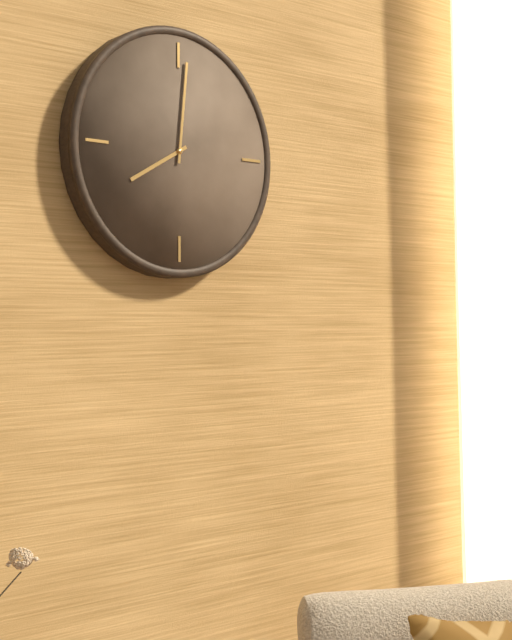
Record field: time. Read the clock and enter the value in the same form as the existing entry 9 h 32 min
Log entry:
8 h 01 min
